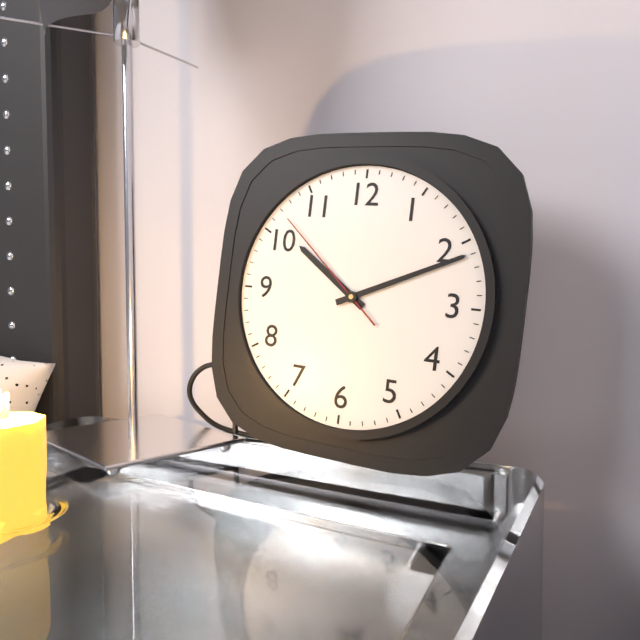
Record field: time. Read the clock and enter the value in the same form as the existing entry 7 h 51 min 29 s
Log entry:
10 h 11 min 52 s
